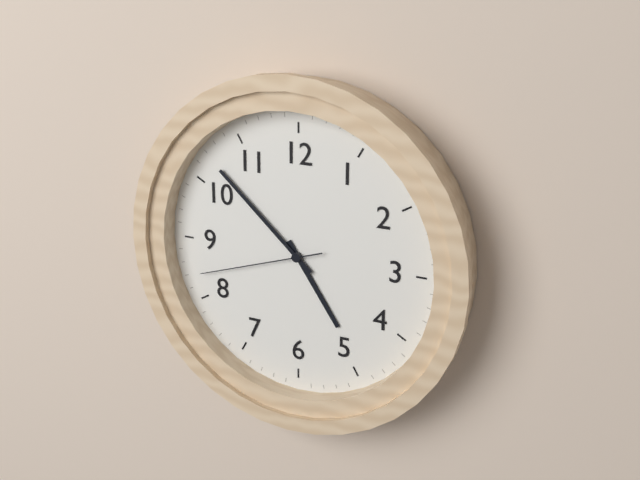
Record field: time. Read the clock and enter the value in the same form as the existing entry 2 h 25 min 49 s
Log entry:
4 h 52 min 42 s
